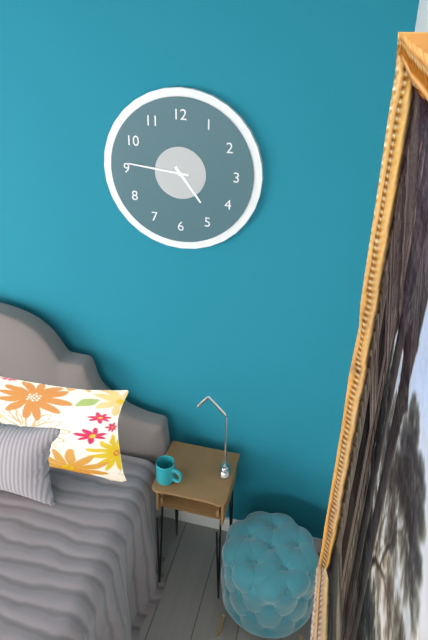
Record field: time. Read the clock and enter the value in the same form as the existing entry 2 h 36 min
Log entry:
4 h 46 min
